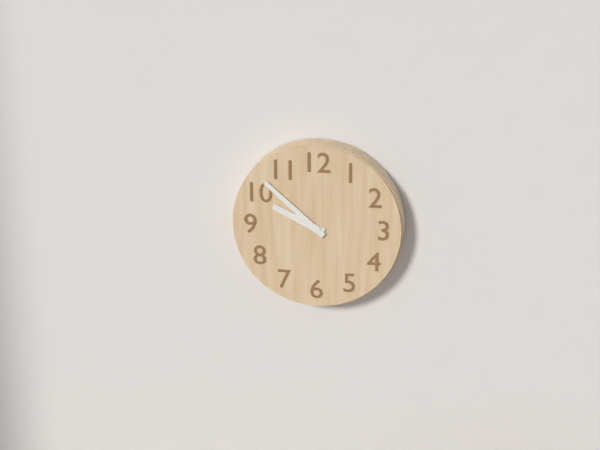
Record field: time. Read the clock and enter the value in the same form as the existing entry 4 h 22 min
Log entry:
9 h 52 min
